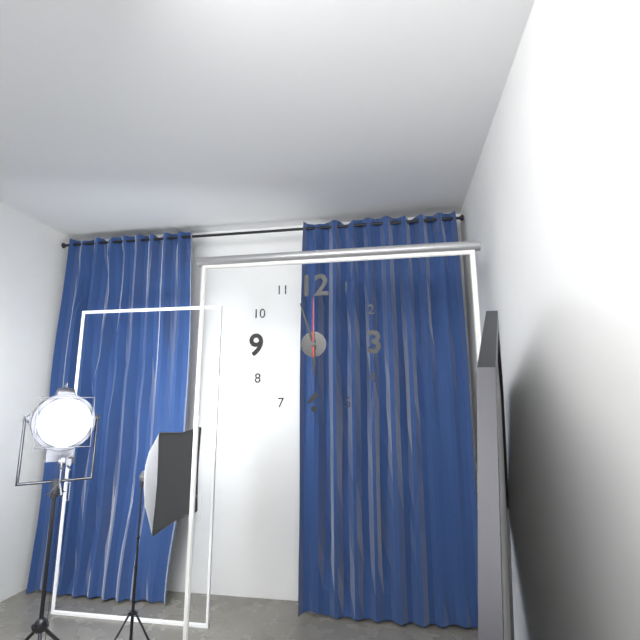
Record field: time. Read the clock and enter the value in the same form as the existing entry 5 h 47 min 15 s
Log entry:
5 h 57 min 00 s
